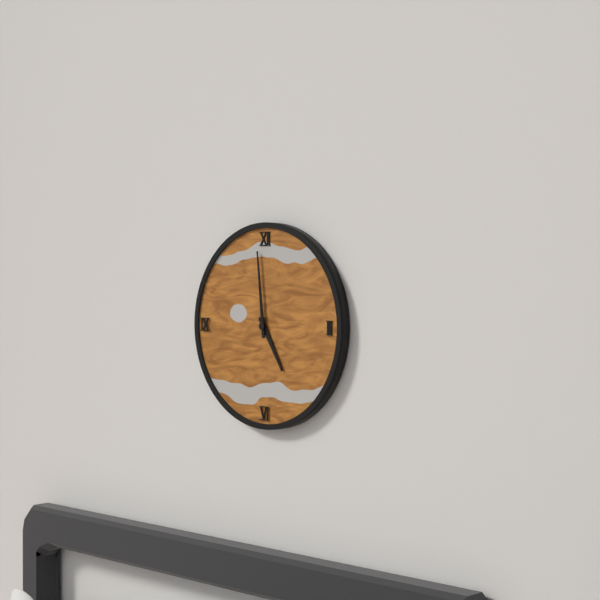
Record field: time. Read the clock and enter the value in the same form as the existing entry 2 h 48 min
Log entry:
4 h 59 min
